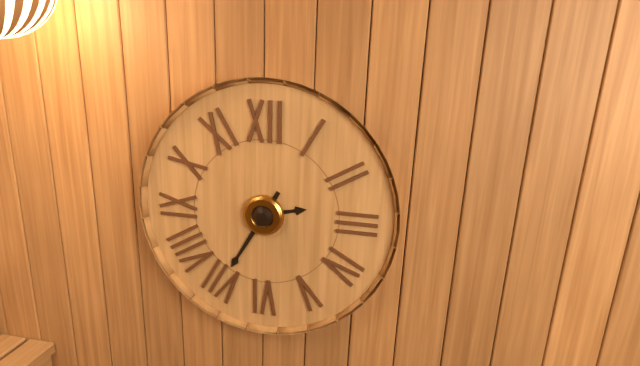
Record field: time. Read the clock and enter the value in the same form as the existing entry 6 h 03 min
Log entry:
2 h 35 min
